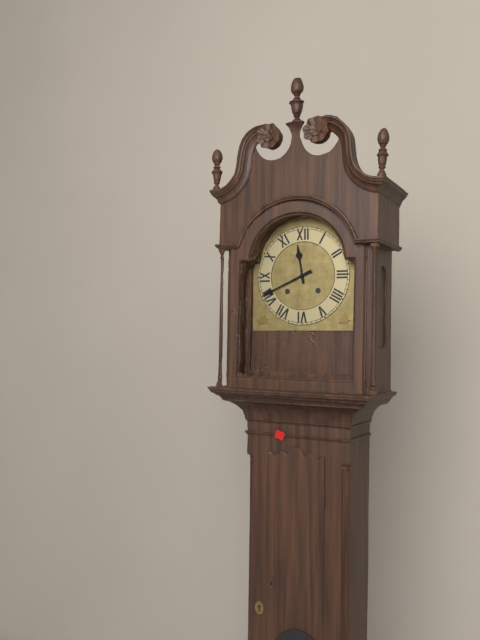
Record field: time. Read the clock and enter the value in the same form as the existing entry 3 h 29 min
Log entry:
11 h 41 min
